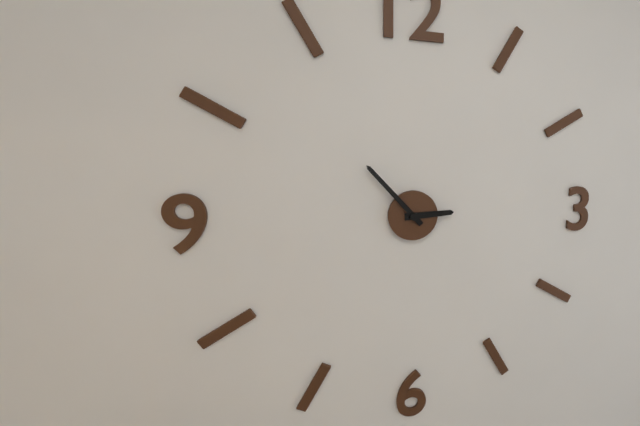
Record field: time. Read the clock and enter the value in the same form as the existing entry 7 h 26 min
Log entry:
2 h 53 min
